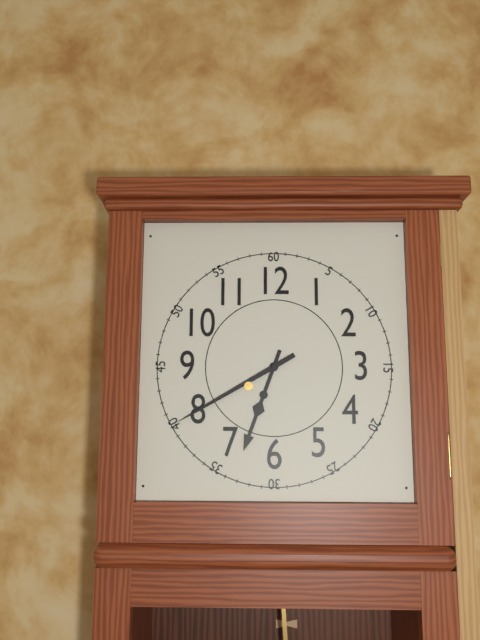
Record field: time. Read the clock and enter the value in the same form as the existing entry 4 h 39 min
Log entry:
6 h 40 min
